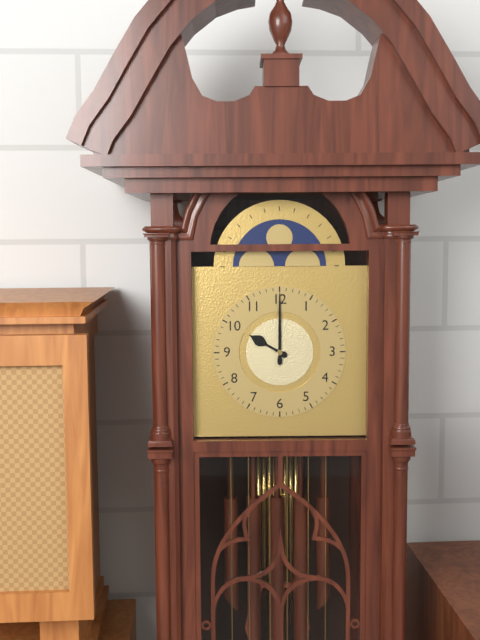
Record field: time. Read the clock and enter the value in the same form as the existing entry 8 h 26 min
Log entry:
10 h 00 min
